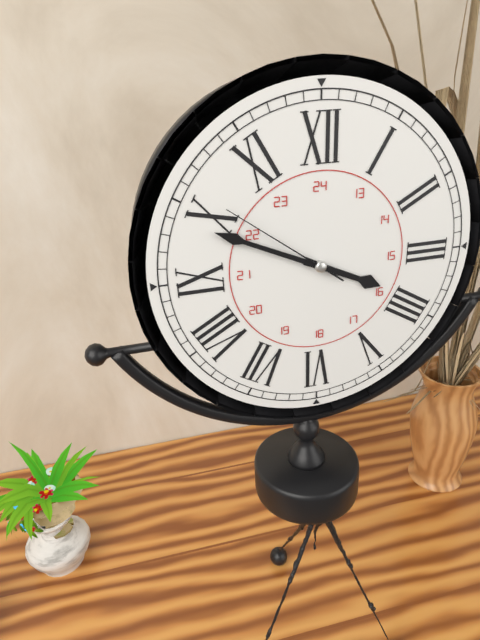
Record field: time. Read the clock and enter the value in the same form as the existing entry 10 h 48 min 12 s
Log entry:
3 h 49 min 51 s
